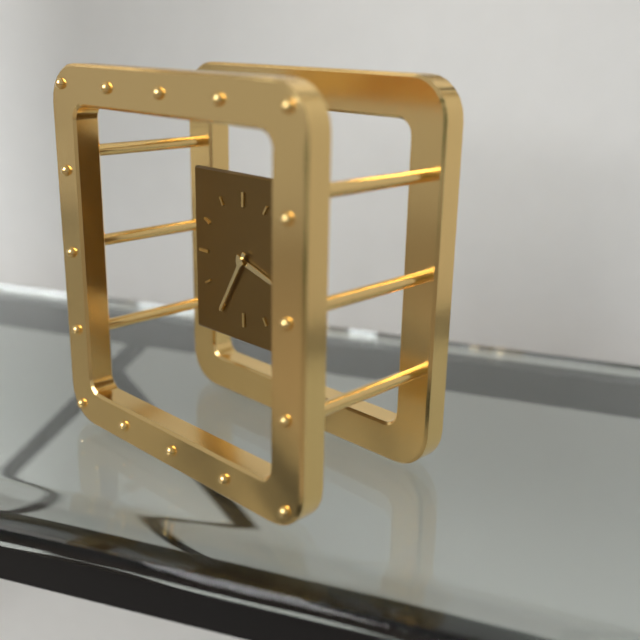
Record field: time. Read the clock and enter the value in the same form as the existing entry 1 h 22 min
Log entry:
3 h 35 min
